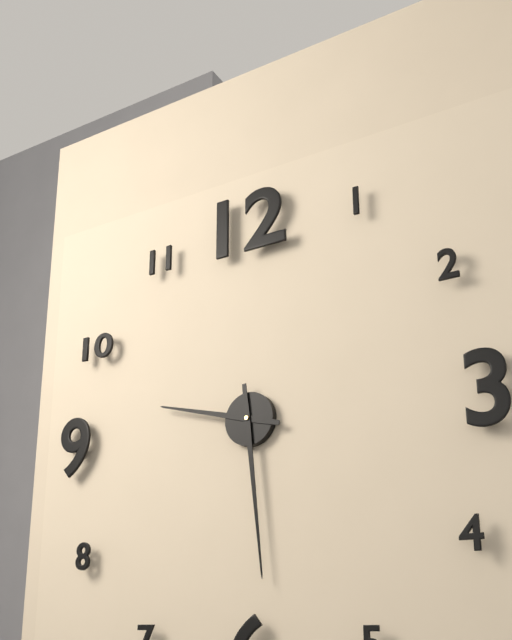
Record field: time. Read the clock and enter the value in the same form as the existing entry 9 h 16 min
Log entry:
9 h 29 min
